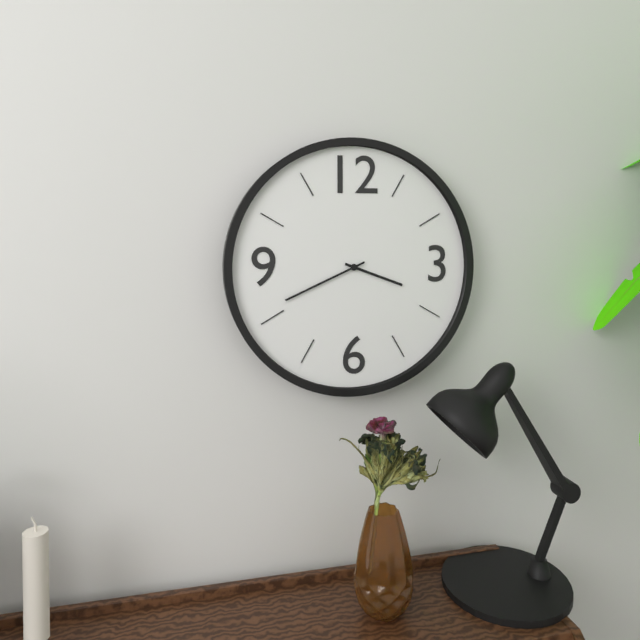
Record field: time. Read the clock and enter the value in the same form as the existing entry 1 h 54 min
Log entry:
3 h 41 min
